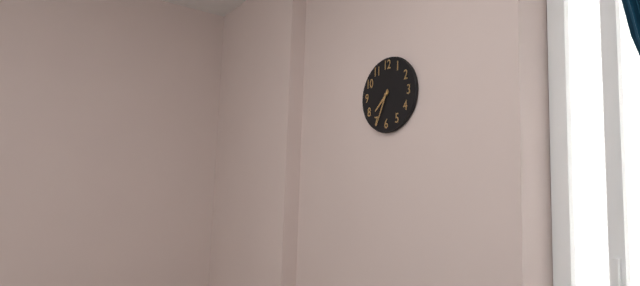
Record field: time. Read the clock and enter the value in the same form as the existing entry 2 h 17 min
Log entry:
7 h 34 min
